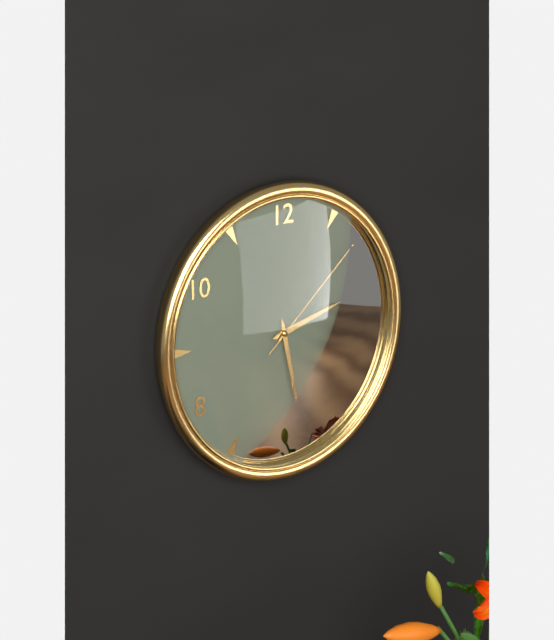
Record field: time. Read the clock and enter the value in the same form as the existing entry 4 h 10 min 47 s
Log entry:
2 h 28 min 08 s
